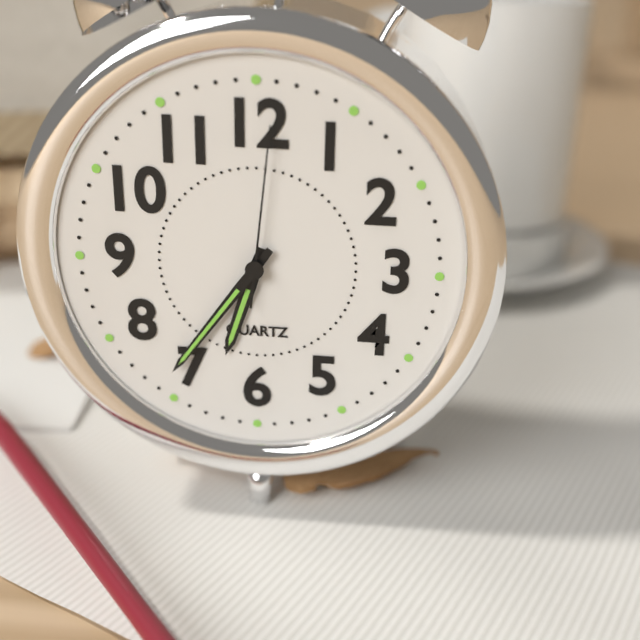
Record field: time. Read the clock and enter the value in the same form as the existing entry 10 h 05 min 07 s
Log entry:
6 h 36 min 01 s
